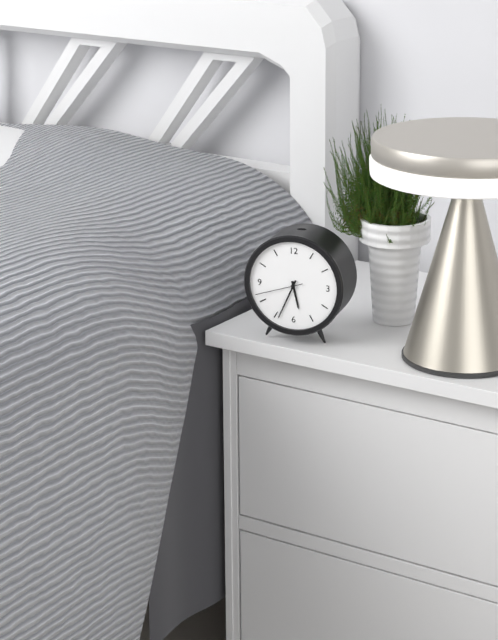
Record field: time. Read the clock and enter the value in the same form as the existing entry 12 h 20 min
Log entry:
5 h 34 min
